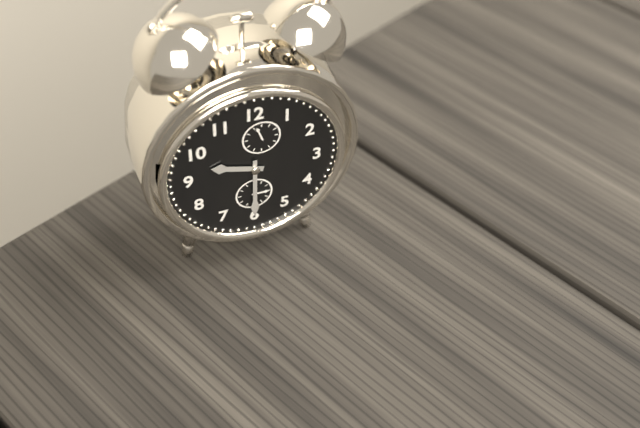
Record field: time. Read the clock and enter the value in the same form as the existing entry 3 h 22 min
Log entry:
9 h 30 min
